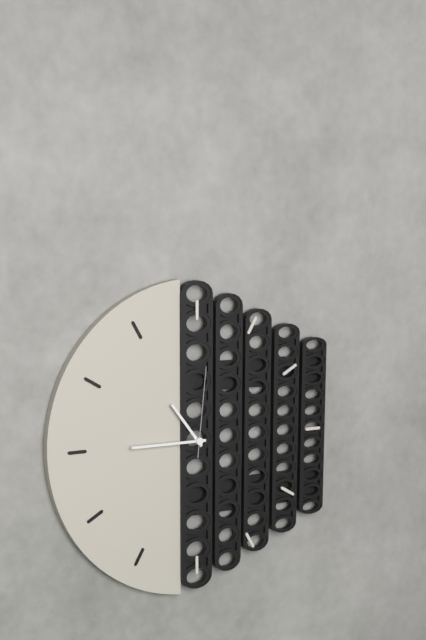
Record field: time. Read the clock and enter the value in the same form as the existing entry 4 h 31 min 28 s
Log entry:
10 h 45 min 01 s
